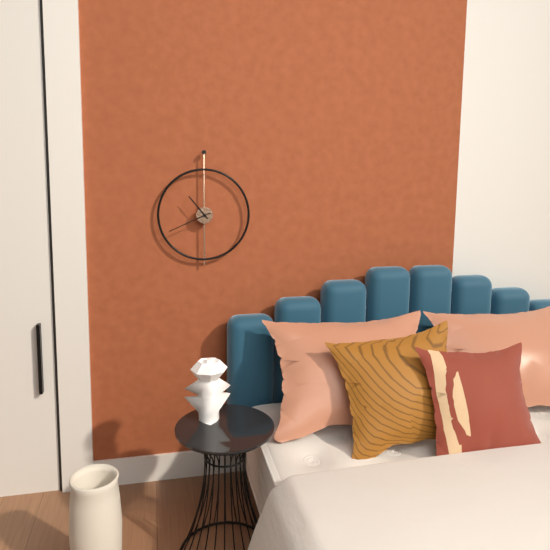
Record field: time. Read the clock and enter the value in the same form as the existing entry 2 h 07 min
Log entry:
10 h 41 min
